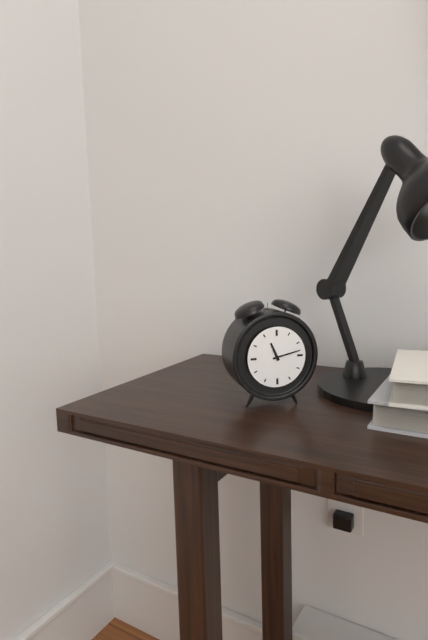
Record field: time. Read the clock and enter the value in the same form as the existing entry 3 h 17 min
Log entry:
11 h 13 min
